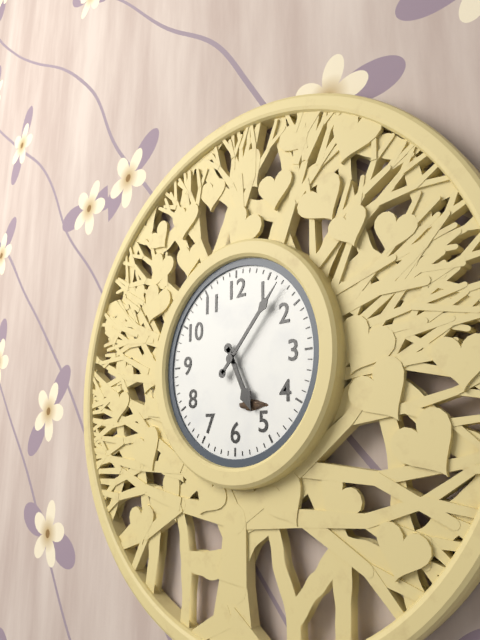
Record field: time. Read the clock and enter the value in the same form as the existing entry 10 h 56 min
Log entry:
5 h 07 min
